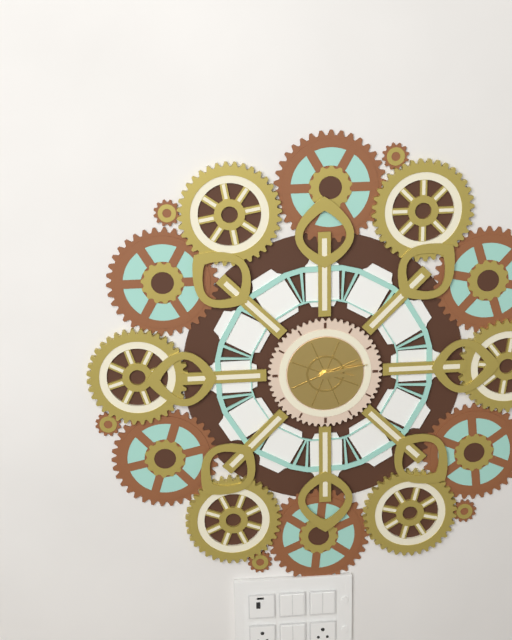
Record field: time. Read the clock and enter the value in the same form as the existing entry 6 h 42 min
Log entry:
3 h 13 min
